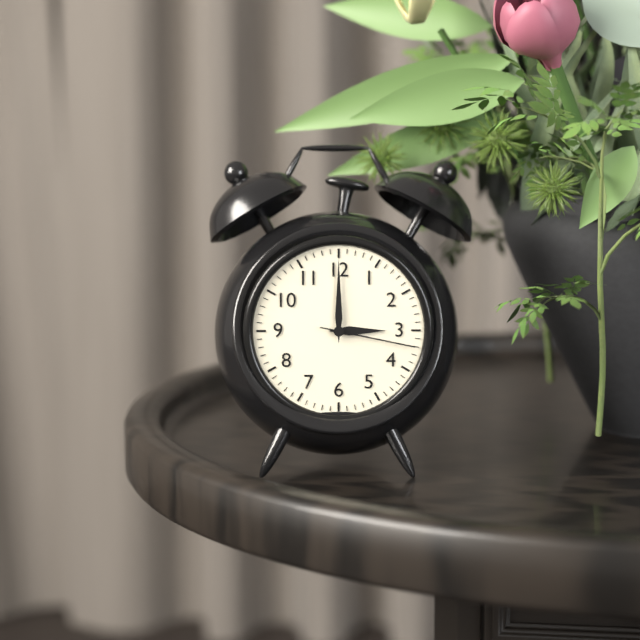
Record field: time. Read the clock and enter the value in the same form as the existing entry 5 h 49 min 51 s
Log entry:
3 h 00 min 17 s
